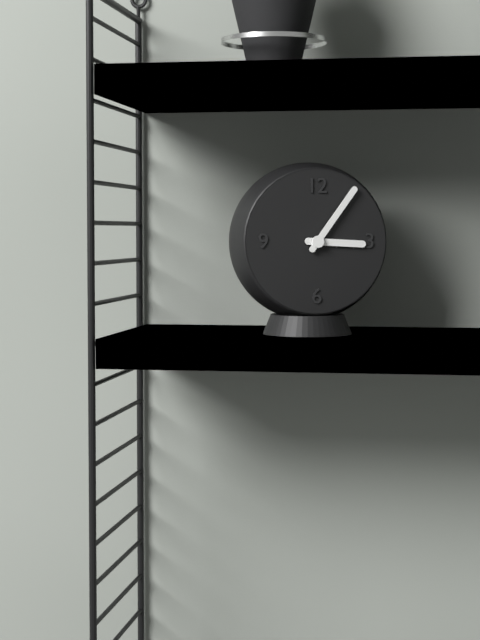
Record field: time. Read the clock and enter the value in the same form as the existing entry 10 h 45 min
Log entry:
3 h 06 min
